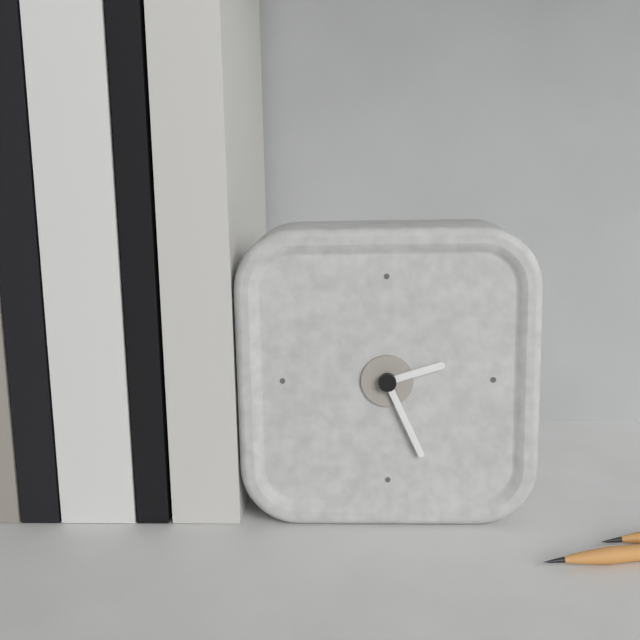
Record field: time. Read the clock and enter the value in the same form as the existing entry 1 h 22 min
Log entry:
2 h 26 min
